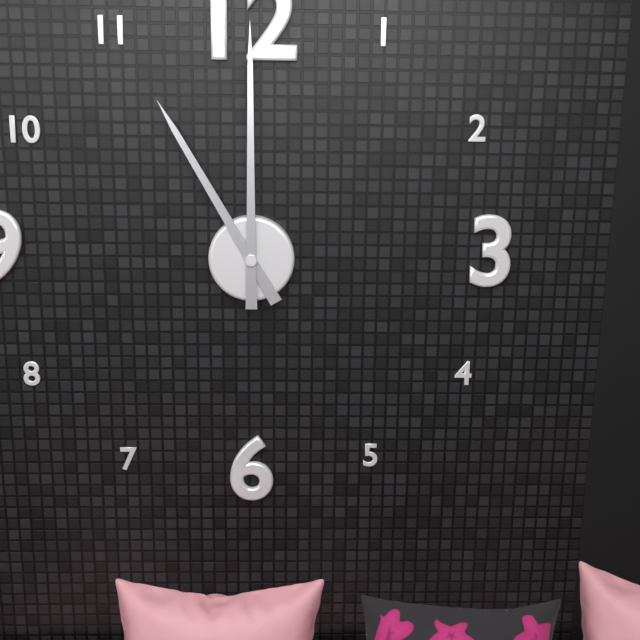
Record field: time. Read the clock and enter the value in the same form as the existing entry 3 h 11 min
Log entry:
11 h 00 min
